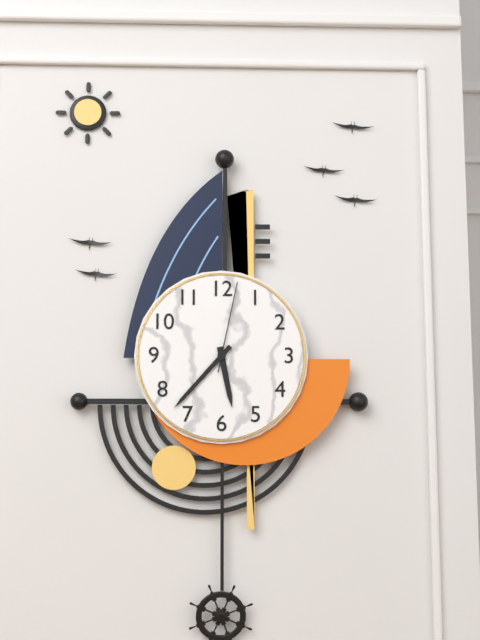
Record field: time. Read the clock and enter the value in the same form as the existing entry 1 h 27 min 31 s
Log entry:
5 h 37 min 02 s
